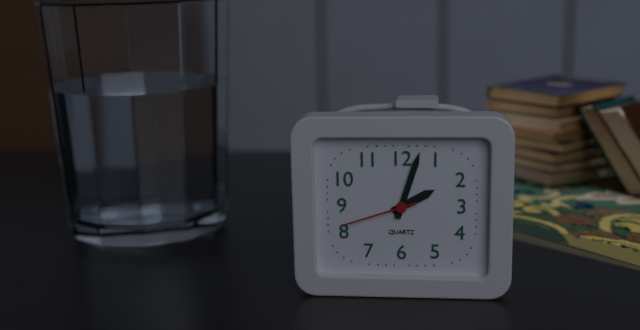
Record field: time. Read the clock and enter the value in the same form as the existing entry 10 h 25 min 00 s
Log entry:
2 h 03 min 42 s
